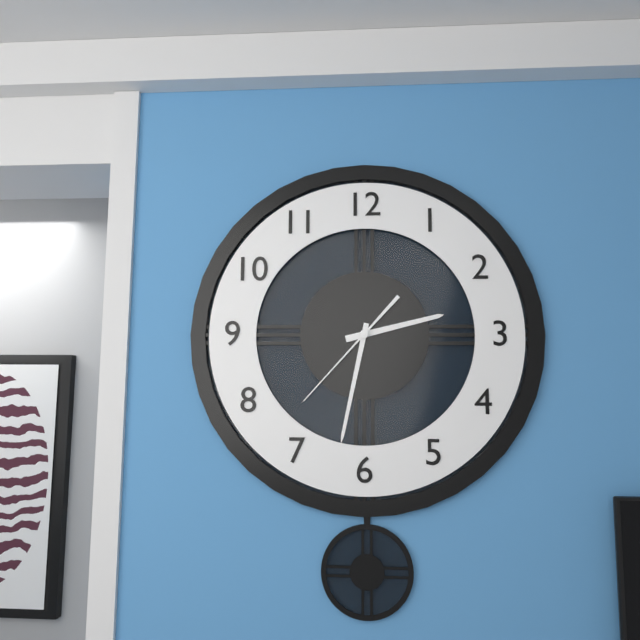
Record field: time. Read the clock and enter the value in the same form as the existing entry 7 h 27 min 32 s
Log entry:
2 h 32 min 37 s
